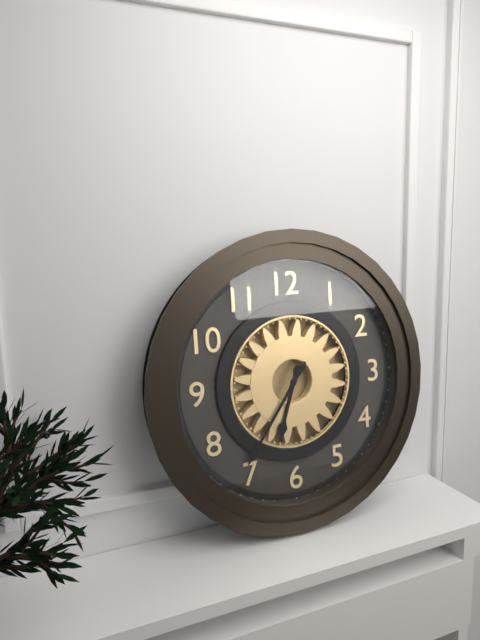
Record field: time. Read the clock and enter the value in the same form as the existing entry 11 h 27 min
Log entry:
6 h 36 min
